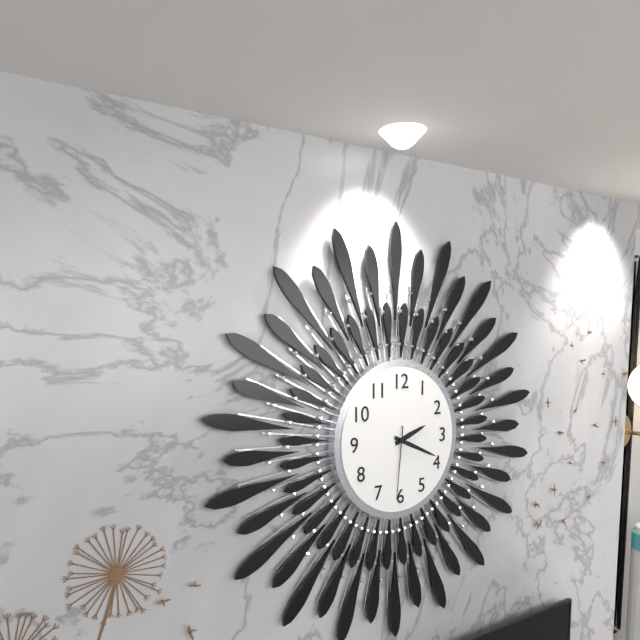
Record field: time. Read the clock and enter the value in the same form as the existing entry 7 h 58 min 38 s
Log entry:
2 h 19 min 31 s
